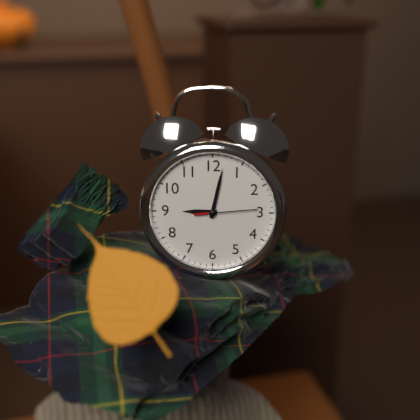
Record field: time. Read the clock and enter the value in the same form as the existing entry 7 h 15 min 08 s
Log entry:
9 h 02 min 14 s
